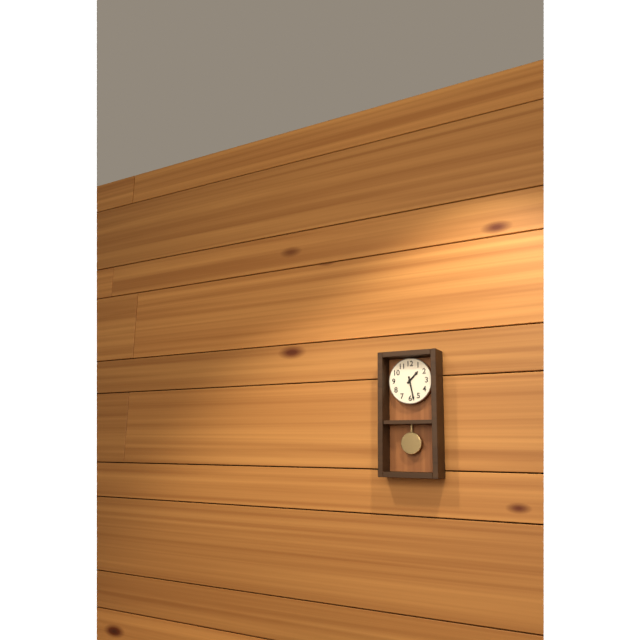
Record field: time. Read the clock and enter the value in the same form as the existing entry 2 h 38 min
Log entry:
1 h 28 min
